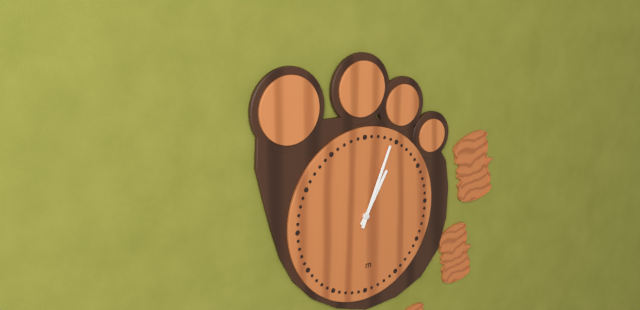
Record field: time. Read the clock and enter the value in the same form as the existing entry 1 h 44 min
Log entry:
1 h 04 min
